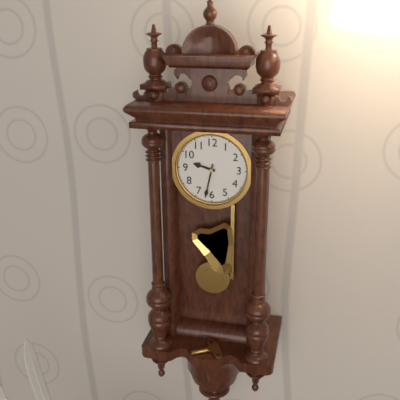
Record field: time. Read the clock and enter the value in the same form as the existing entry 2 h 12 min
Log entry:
9 h 32 min
